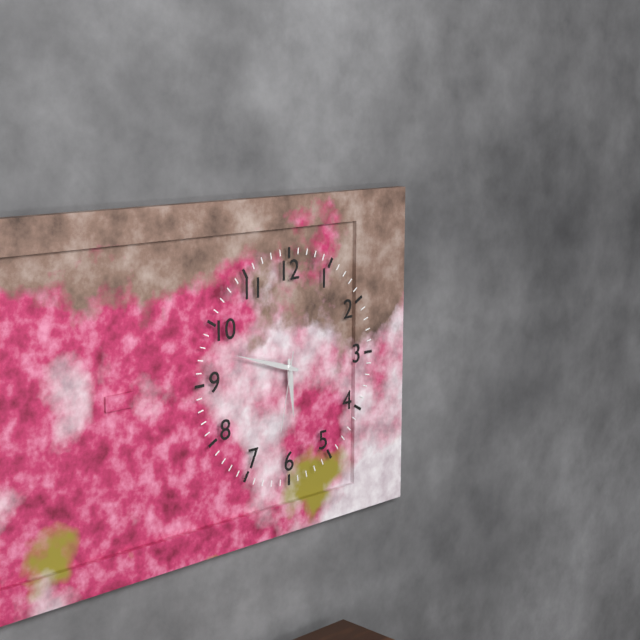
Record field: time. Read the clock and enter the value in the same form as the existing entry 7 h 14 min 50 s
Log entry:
5 h 48 min 32 s
